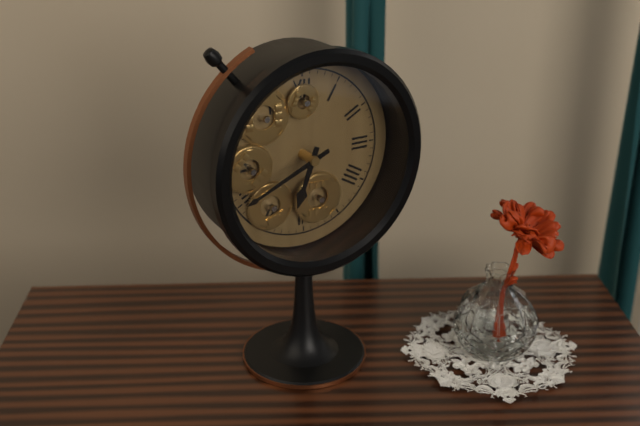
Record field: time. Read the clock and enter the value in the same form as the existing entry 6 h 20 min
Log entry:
6 h 41 min
